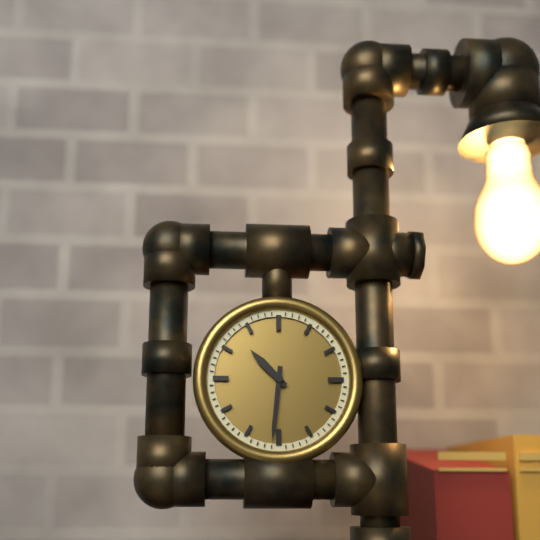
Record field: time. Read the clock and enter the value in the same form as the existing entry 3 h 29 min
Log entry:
10 h 31 min
